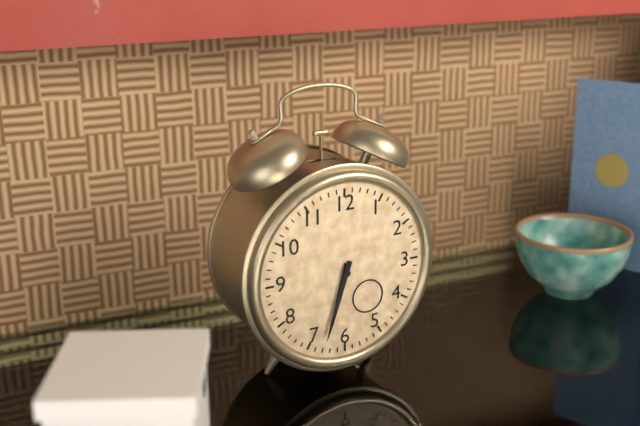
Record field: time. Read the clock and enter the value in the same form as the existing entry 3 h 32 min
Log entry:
6 h 33 min
